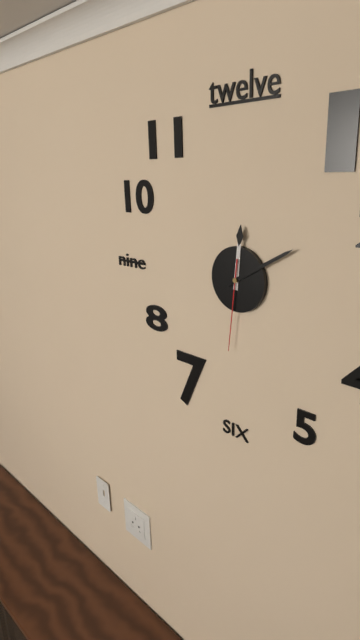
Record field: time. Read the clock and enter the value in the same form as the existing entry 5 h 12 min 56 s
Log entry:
12 h 10 min 31 s
